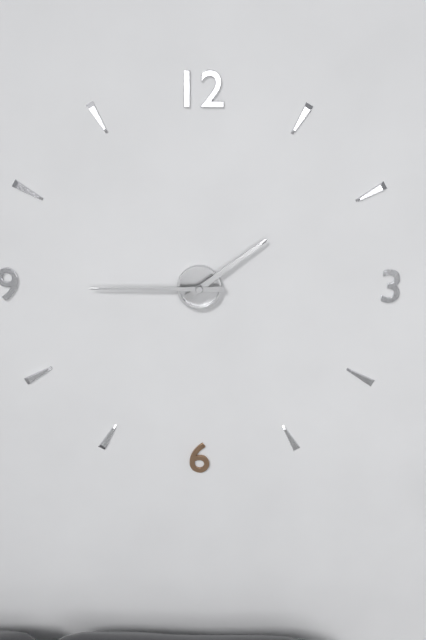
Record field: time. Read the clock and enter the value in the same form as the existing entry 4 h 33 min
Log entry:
1 h 45 min
